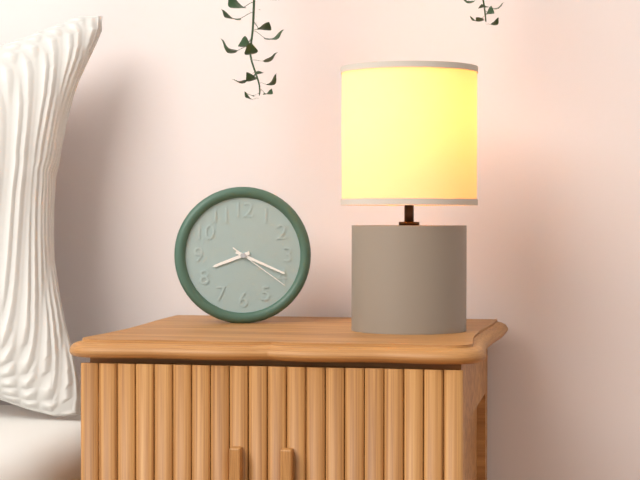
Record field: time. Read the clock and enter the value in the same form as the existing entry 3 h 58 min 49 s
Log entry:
8 h 19 min 21 s
